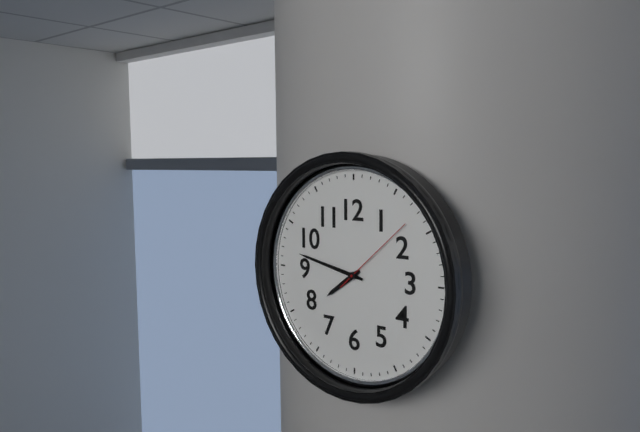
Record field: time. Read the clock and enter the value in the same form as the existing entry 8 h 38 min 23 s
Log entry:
7 h 47 min 08 s
